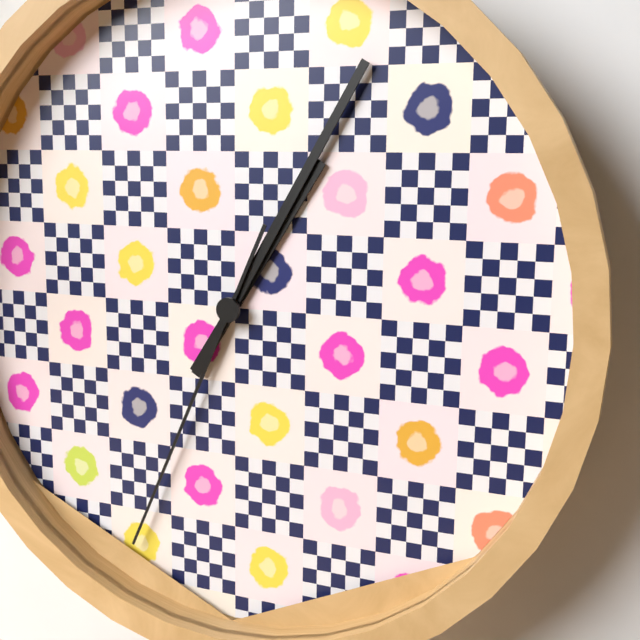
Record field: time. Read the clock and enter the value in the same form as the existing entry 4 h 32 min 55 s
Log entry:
1 h 05 min 34 s
